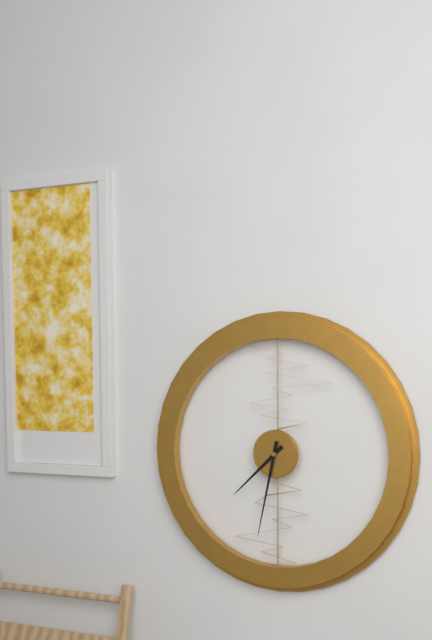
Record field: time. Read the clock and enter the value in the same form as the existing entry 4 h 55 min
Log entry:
7 h 32 min
